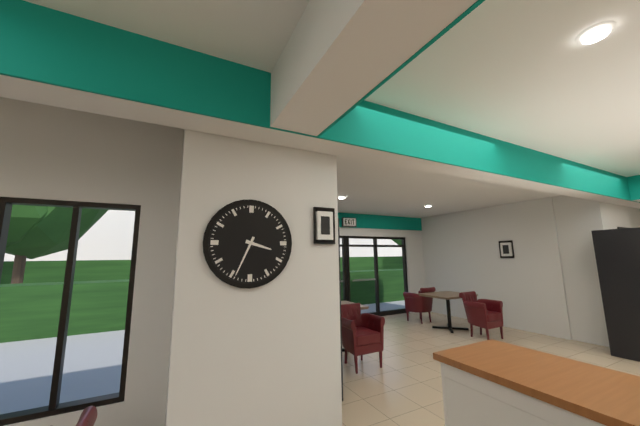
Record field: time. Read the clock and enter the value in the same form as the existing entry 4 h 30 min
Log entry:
3 h 34 min
